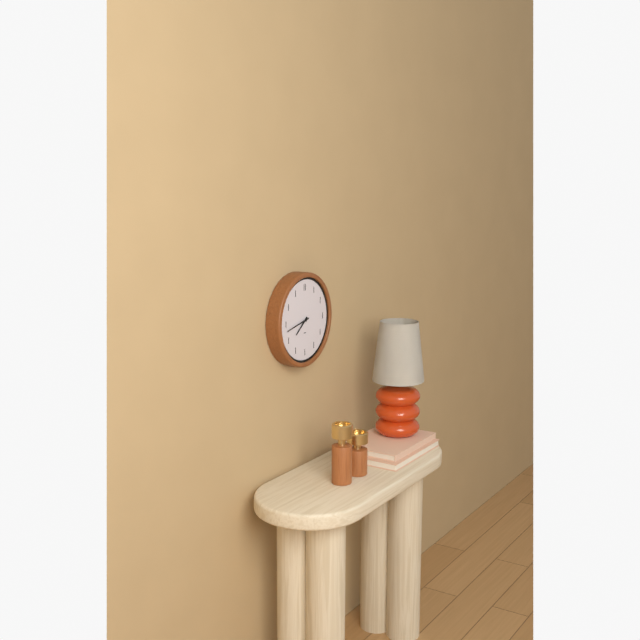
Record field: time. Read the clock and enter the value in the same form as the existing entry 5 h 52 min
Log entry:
7 h 43 min
